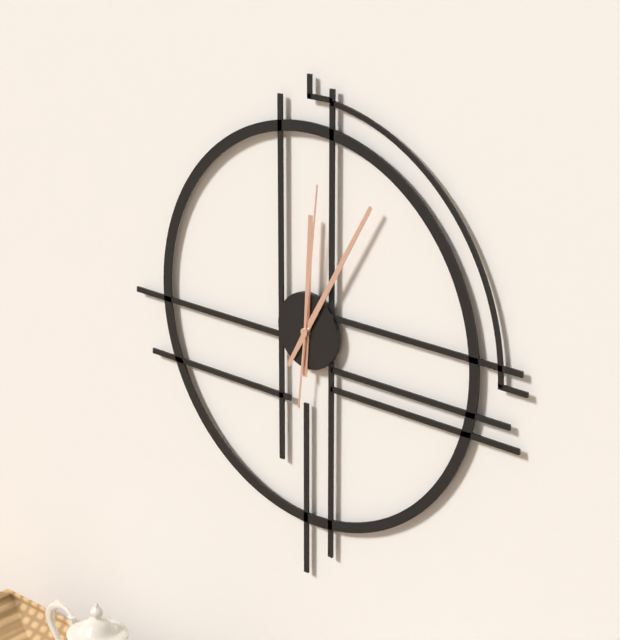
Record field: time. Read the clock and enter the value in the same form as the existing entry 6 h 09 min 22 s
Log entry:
12 h 05 min 01 s
